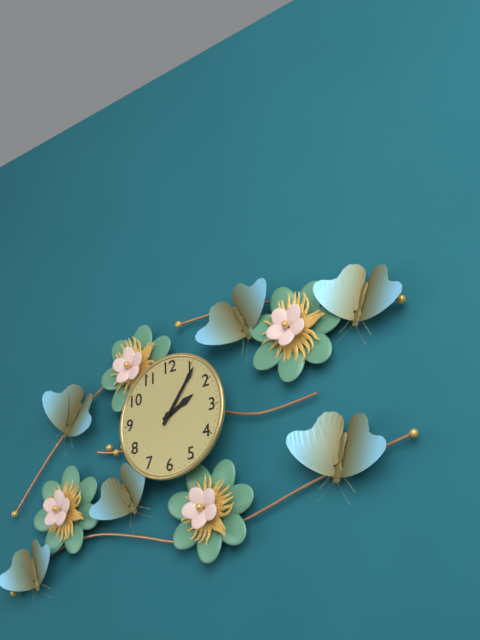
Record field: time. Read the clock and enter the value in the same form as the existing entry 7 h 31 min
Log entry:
2 h 06 min
